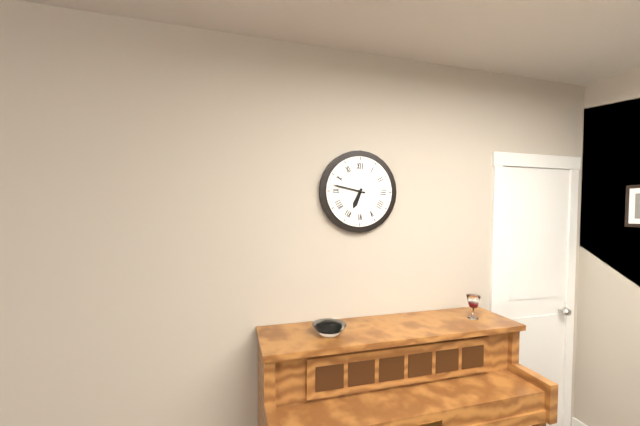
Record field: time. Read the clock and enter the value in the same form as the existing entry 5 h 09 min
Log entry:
6 h 47 min
